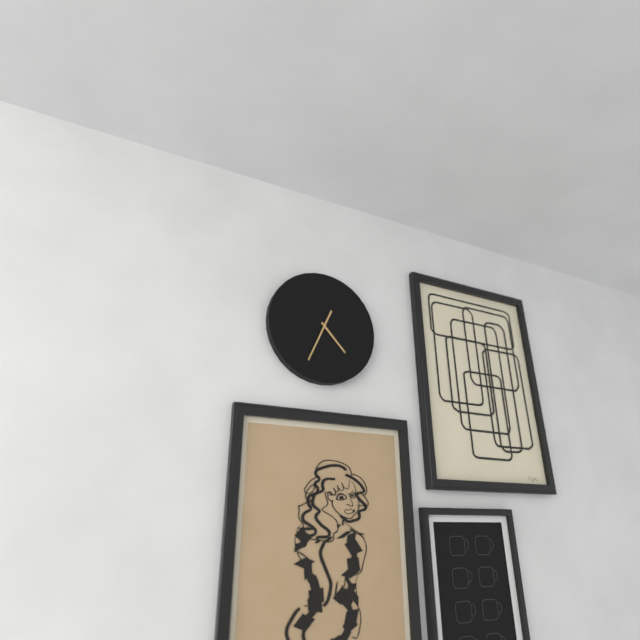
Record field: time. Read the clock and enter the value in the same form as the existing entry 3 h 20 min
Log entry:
4 h 34 min
